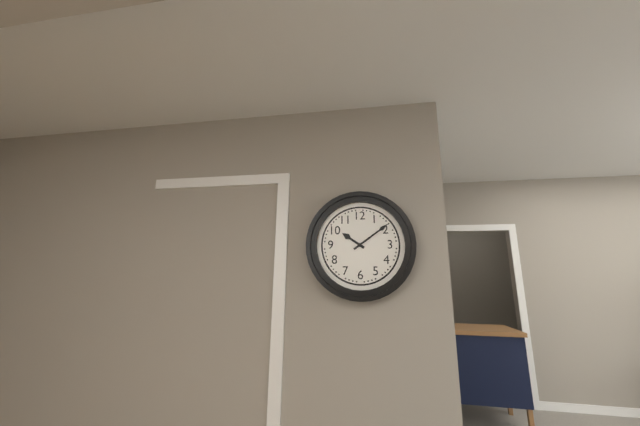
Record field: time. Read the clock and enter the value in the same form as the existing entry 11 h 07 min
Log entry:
10 h 09 min
